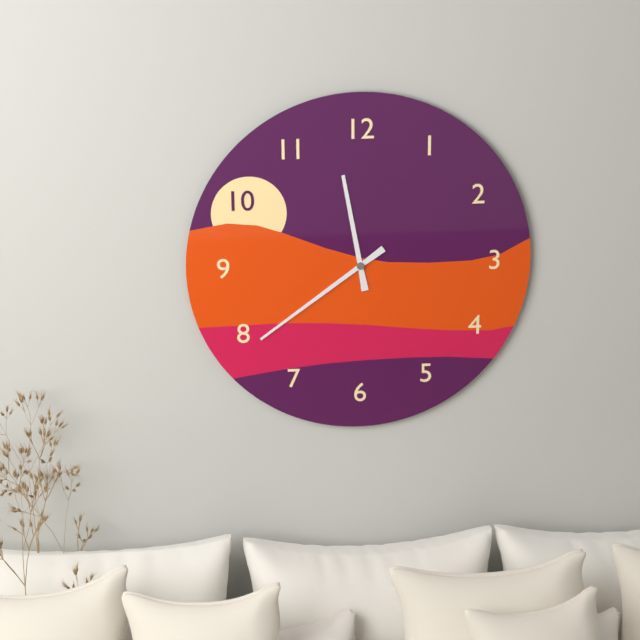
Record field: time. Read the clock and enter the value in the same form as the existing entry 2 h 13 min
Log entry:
11 h 39 min
